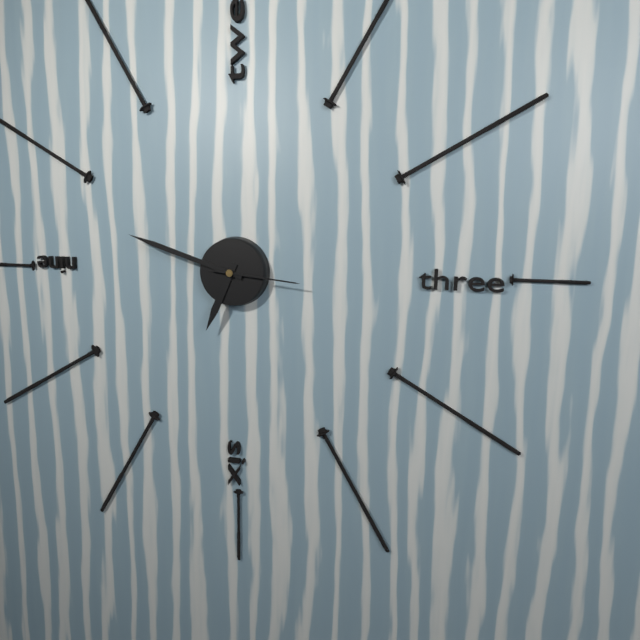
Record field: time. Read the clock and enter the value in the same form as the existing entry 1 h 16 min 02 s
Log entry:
6 h 48 min 16 s
